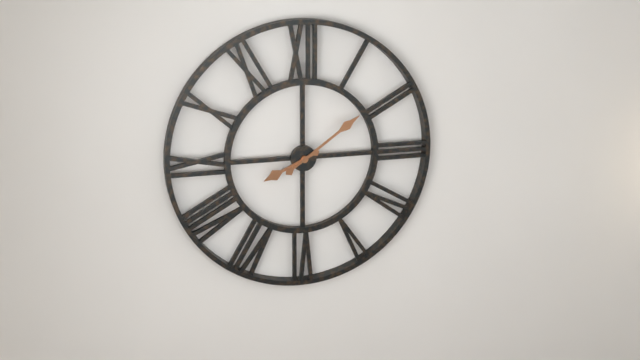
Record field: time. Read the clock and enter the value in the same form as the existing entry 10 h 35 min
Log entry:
8 h 09 min
